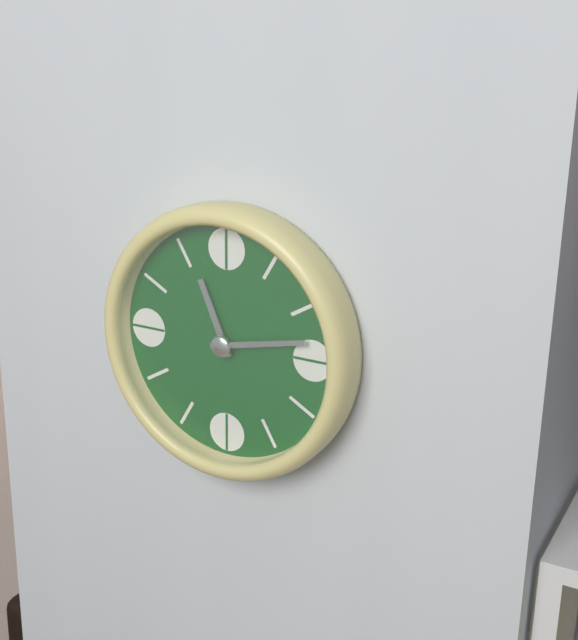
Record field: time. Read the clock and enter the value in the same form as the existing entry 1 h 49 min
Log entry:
11 h 13 min
